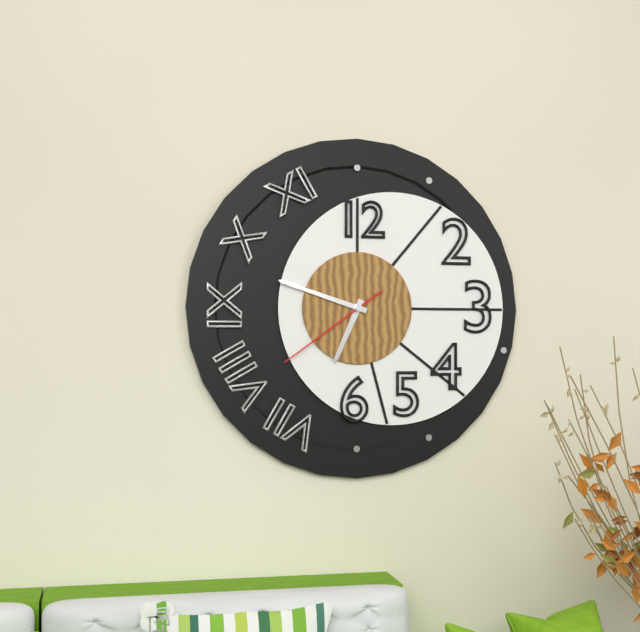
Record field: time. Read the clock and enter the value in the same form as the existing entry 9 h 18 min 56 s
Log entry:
6 h 48 min 39 s
